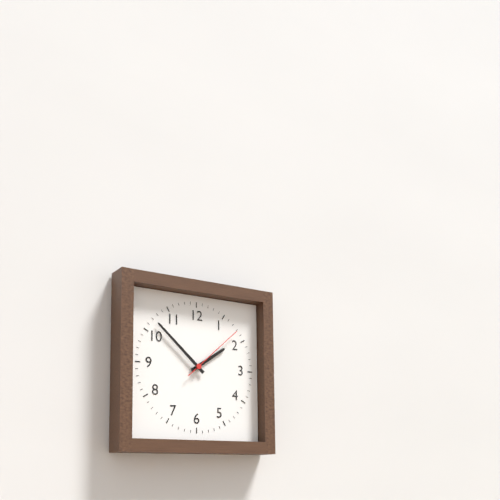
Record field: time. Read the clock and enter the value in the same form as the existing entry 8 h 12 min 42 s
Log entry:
1 h 52 min 08 s
